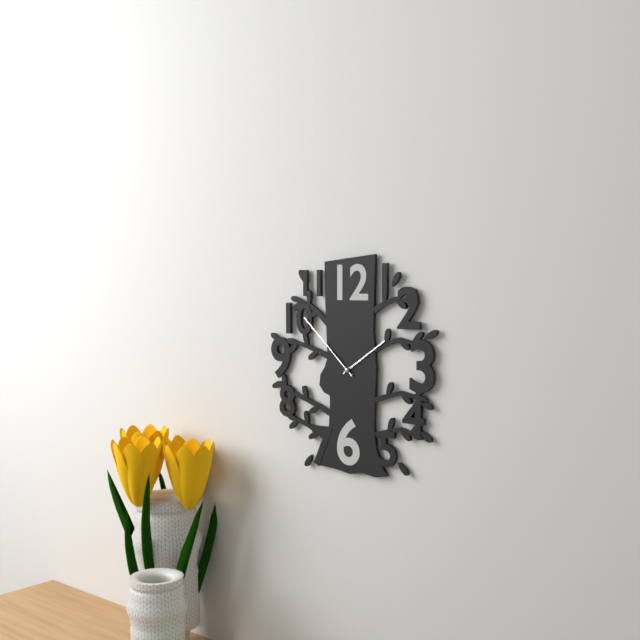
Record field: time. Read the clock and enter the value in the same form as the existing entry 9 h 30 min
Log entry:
1 h 52 min
